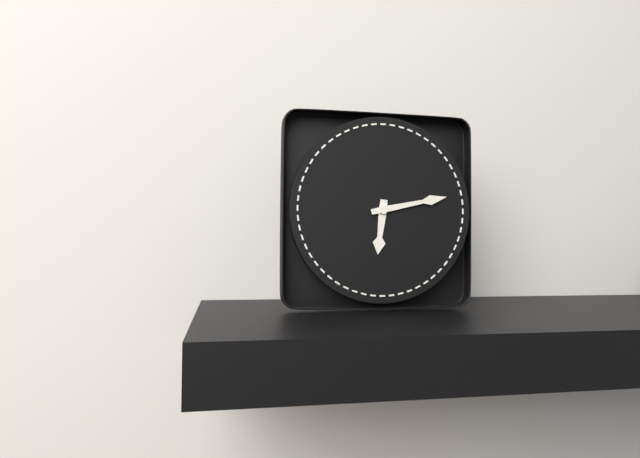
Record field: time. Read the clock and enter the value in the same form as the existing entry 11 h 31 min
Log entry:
6 h 13 min
